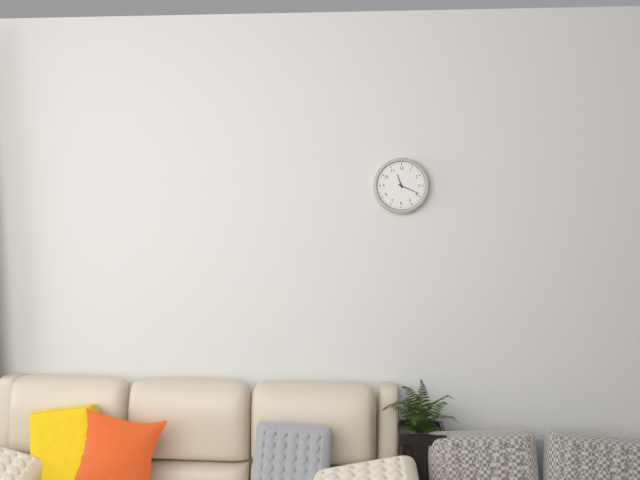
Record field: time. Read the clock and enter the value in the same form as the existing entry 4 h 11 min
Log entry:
11 h 19 min
